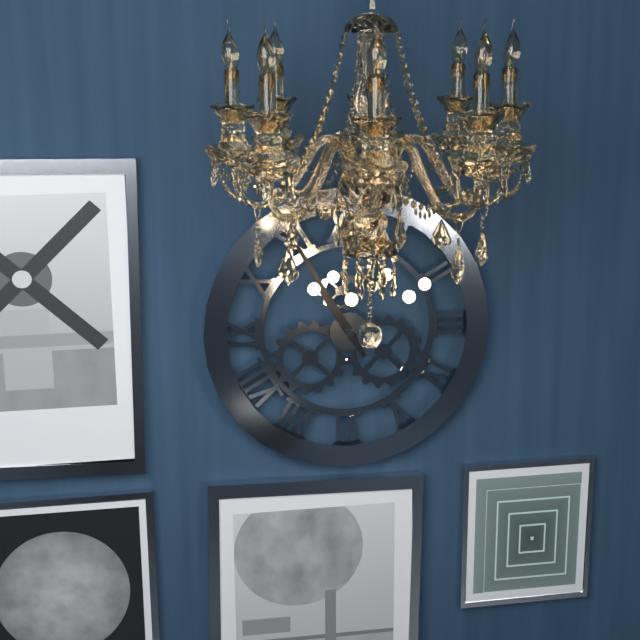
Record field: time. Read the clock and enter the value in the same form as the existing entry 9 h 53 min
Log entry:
10 h 55 min
